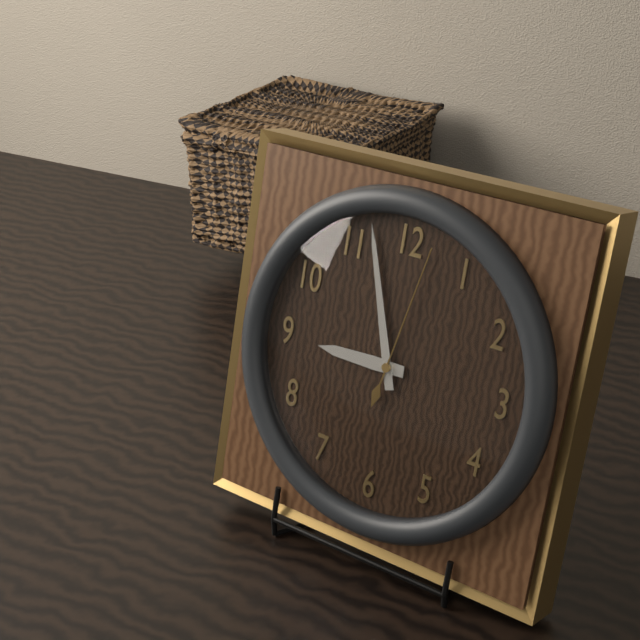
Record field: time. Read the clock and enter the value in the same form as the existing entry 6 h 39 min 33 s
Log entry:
8 h 57 min 02 s
